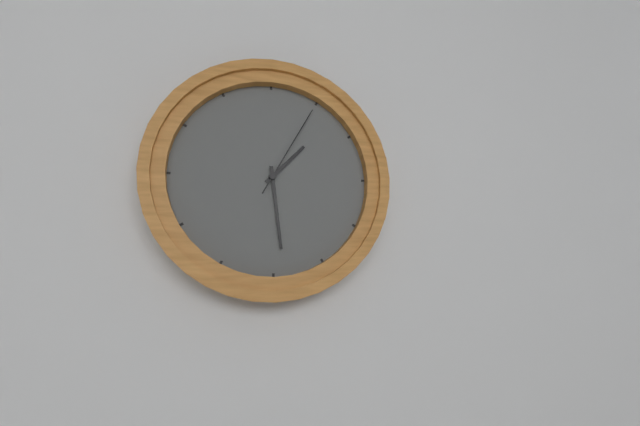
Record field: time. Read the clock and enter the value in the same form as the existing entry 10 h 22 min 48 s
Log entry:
1 h 29 min 05 s
